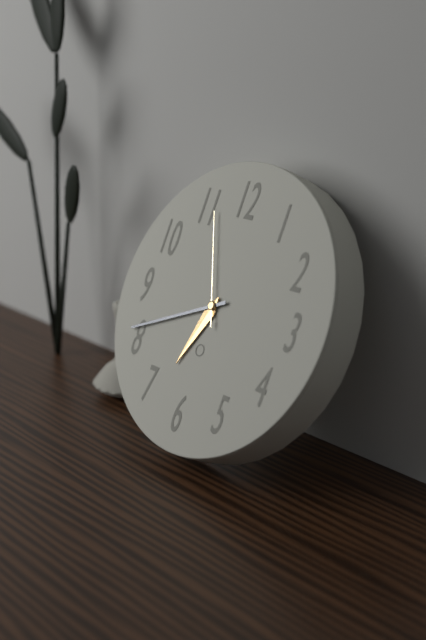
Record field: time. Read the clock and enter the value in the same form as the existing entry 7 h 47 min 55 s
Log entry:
6 h 41 min 56 s
